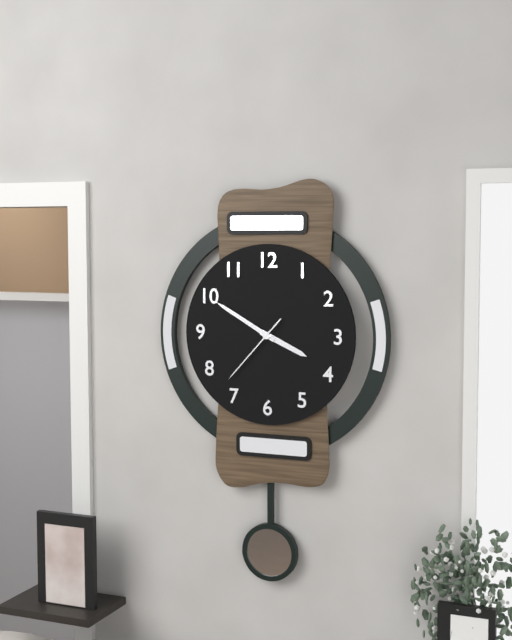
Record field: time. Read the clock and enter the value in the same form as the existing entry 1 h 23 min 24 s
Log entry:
3 h 50 min 37 s
